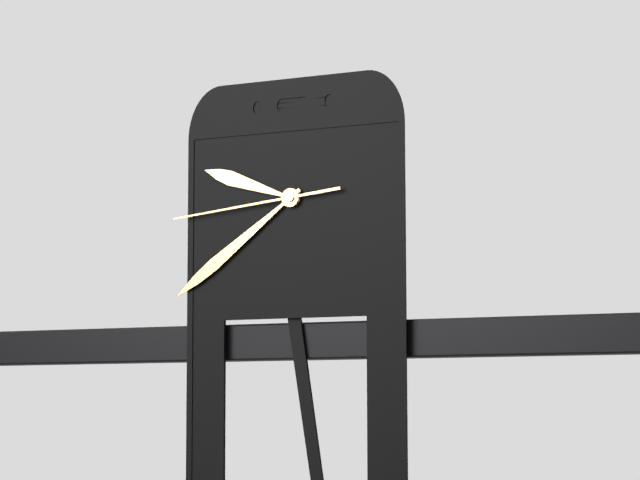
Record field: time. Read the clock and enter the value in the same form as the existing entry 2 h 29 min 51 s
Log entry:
9 h 39 min 44 s
